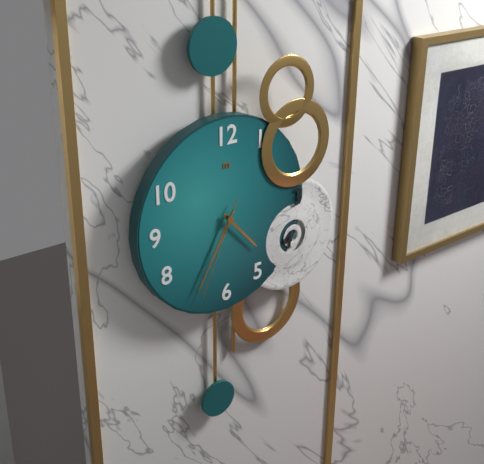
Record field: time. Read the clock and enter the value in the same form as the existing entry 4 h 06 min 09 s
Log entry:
4 h 35 min 34 s
